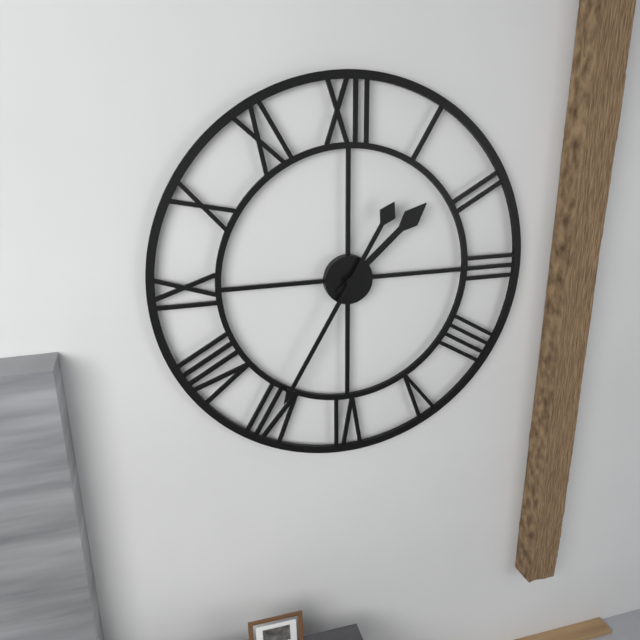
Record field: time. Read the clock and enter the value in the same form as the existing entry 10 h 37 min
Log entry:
1 h 35 min
